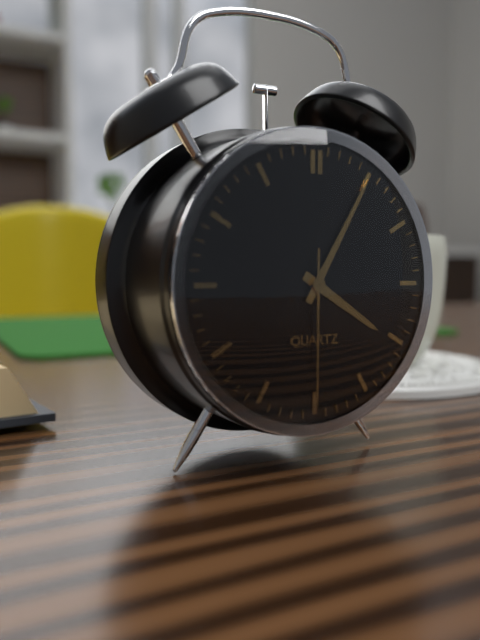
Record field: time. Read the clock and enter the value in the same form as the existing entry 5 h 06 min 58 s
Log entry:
4 h 05 min 30 s
